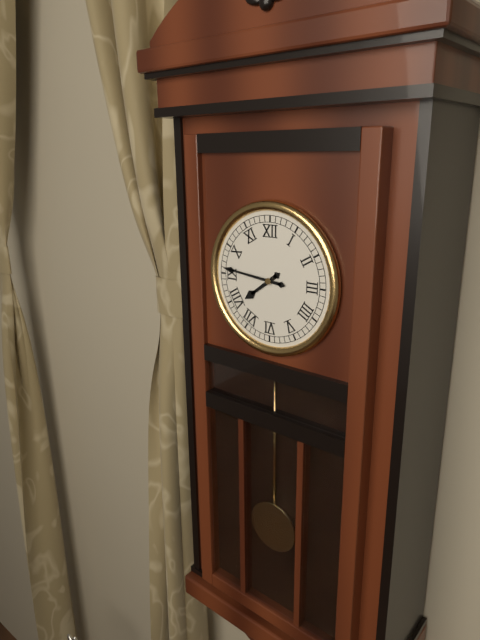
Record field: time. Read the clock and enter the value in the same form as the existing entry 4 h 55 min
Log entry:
7 h 46 min
